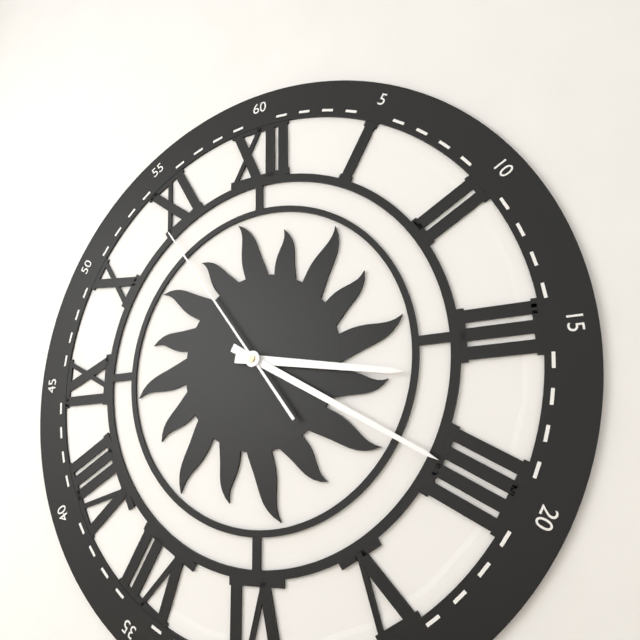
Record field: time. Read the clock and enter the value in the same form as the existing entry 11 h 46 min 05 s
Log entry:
3 h 20 min 54 s
